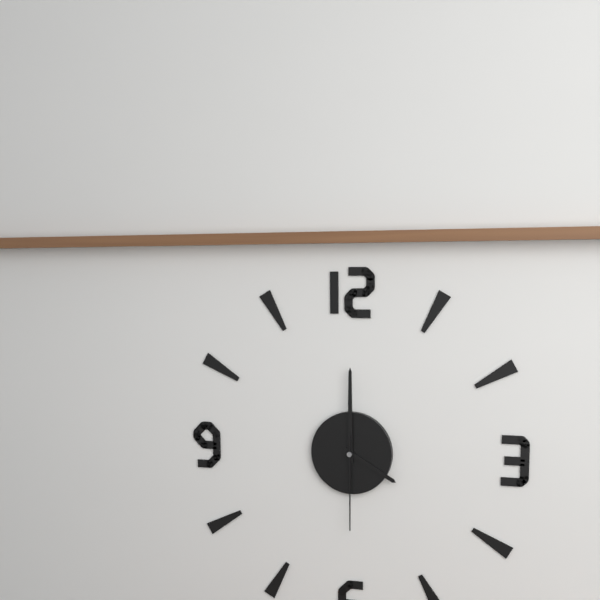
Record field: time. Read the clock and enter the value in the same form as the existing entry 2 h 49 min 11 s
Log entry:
4 h 00 min 30 s
